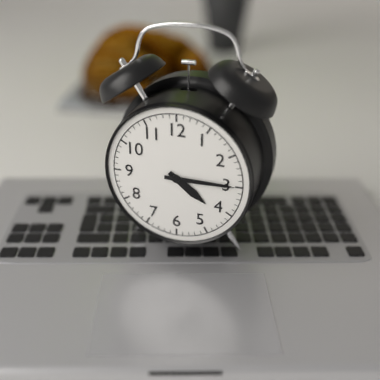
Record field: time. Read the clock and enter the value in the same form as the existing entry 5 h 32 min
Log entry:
4 h 15 min
